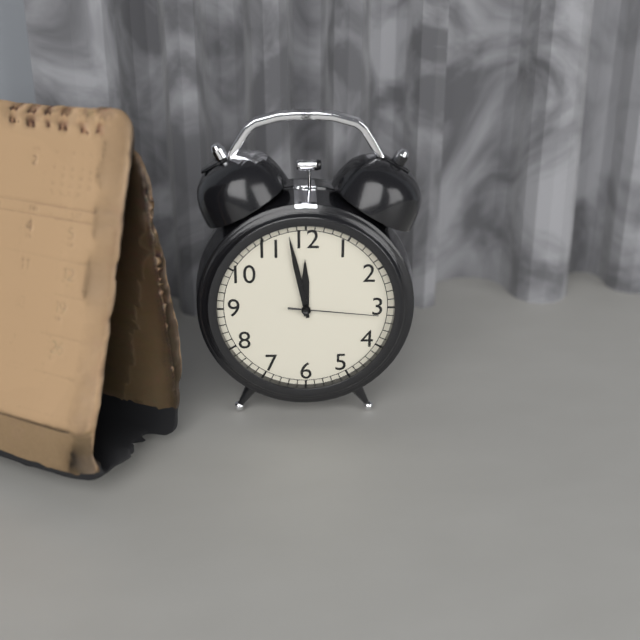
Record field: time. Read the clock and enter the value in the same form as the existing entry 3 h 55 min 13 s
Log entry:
11 h 58 min 16 s
